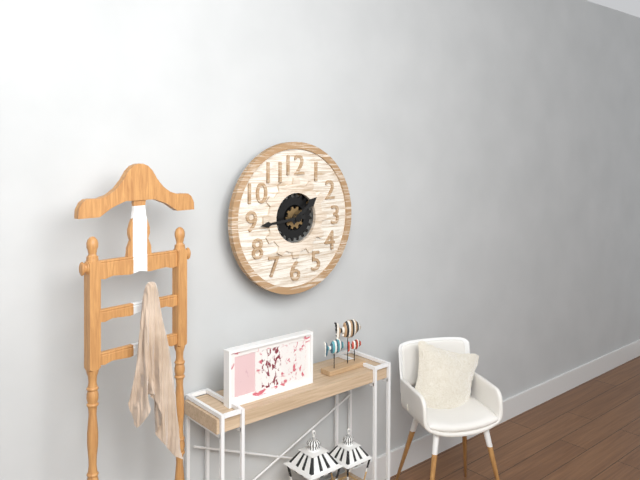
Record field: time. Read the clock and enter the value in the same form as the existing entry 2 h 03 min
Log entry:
1 h 44 min
